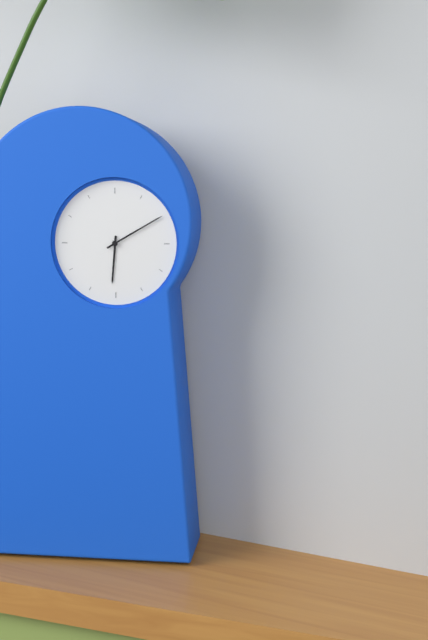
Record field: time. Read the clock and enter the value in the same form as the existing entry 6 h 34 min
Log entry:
6 h 10 min
